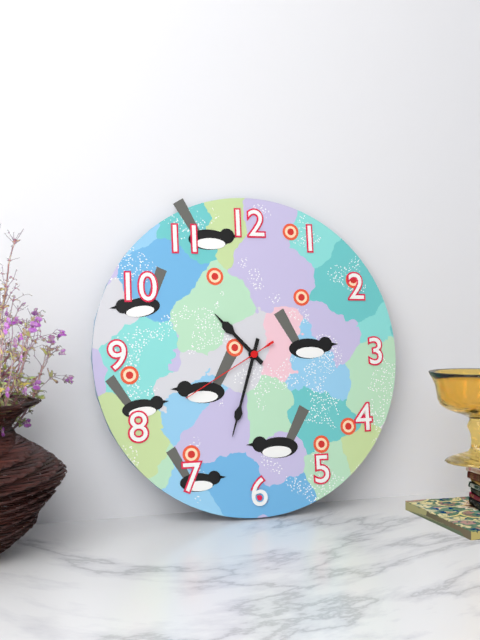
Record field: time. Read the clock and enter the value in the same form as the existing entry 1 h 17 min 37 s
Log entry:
10 h 33 min 40 s
